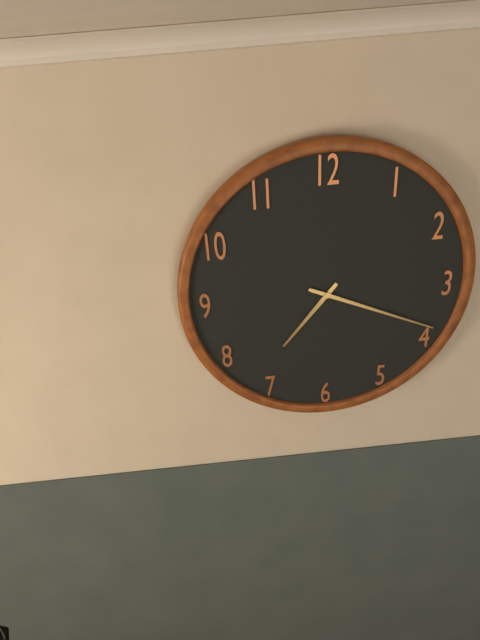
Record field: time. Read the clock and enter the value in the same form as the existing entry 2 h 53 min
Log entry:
7 h 19 min
